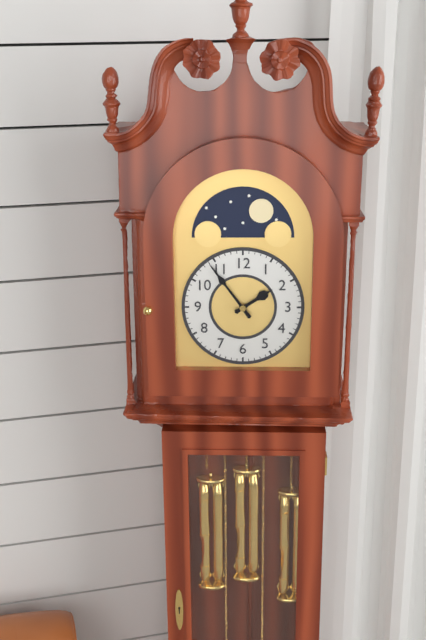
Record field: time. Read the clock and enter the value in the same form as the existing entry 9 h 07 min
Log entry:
1 h 54 min
